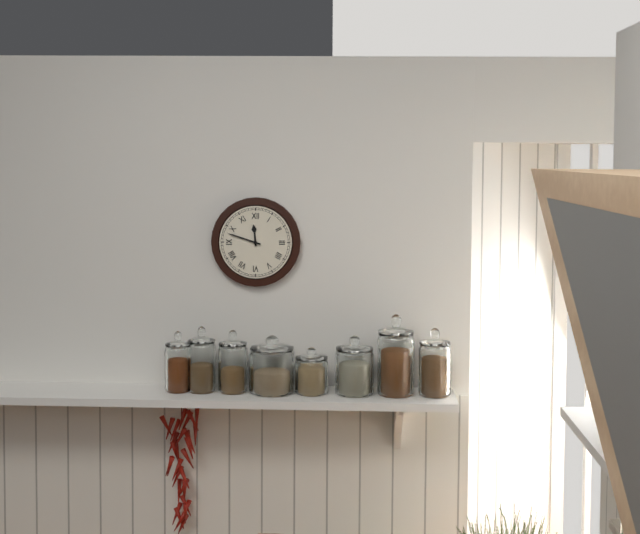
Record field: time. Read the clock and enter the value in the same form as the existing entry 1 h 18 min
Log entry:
11 h 48 min
